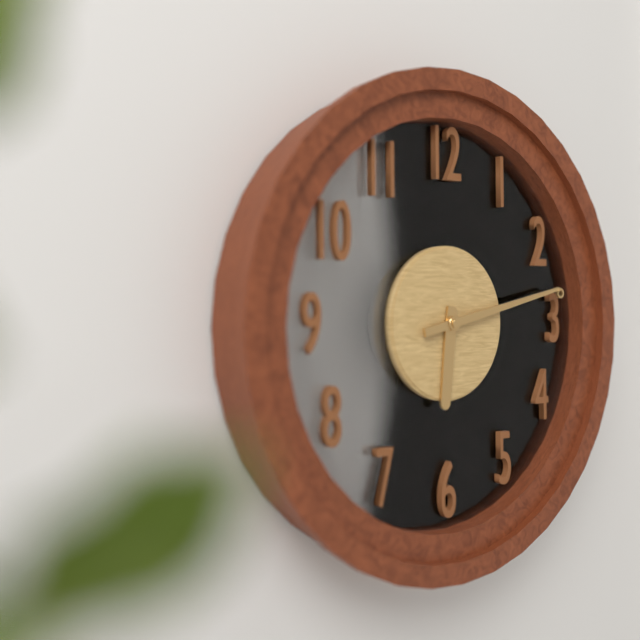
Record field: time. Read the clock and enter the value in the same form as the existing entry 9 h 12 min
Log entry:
6 h 13 min
